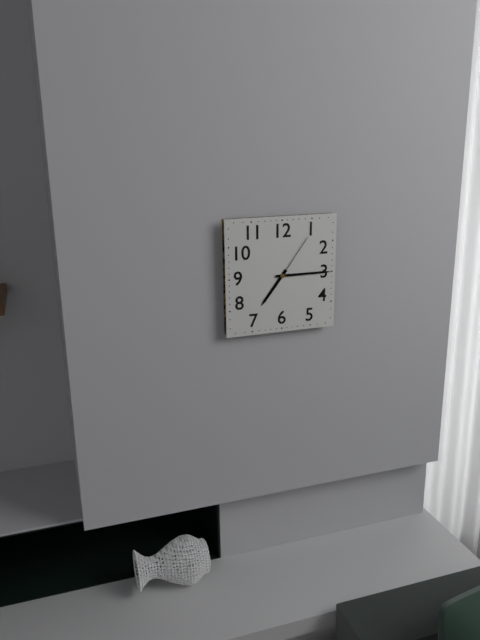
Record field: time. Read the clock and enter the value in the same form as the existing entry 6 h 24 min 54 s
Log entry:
7 h 15 min 06 s
